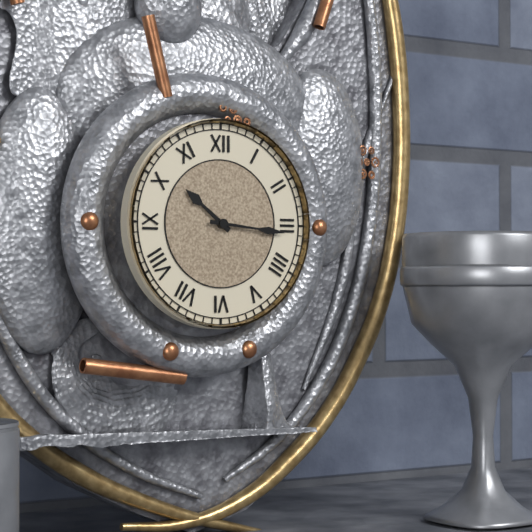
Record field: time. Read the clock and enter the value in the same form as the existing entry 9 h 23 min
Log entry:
10 h 16 min
